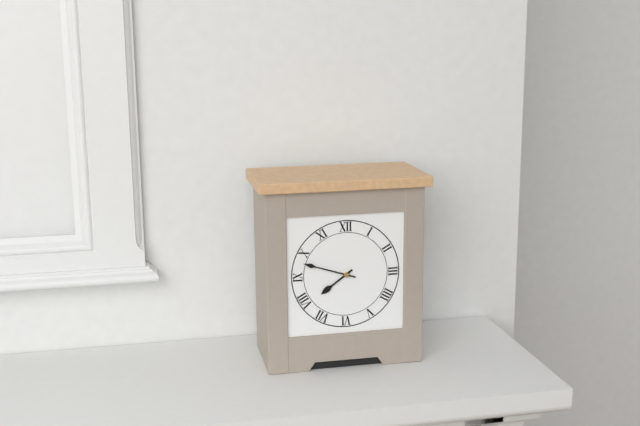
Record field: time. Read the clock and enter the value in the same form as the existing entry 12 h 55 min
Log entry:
7 h 48 min
